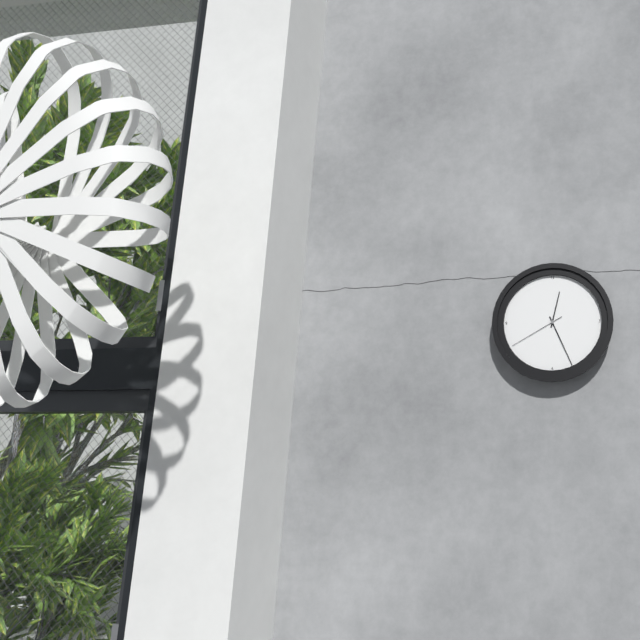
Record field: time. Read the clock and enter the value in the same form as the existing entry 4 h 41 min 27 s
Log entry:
12 h 26 min 40 s
